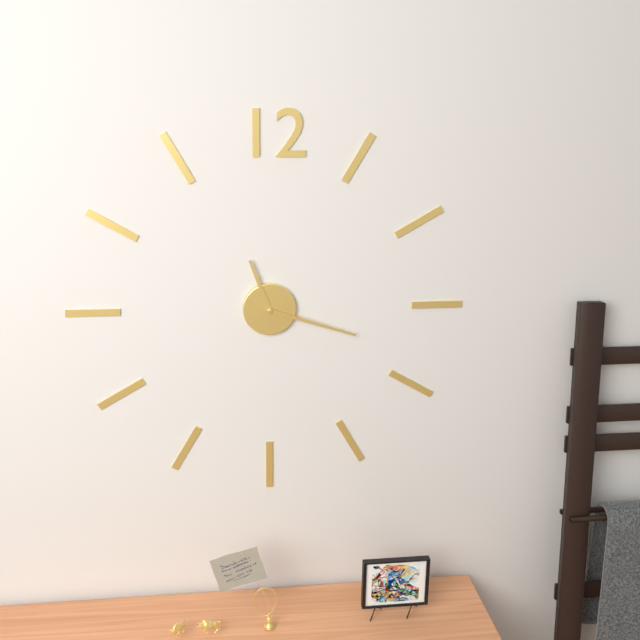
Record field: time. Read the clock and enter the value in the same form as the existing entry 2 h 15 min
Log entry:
11 h 18 min
